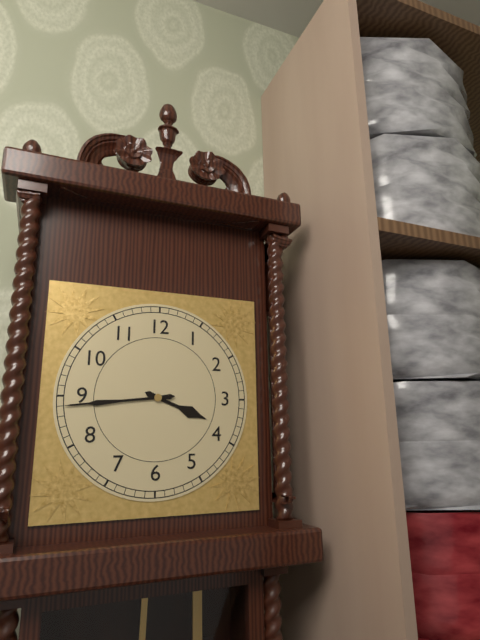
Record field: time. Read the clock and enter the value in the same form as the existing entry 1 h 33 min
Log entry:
3 h 44 min
